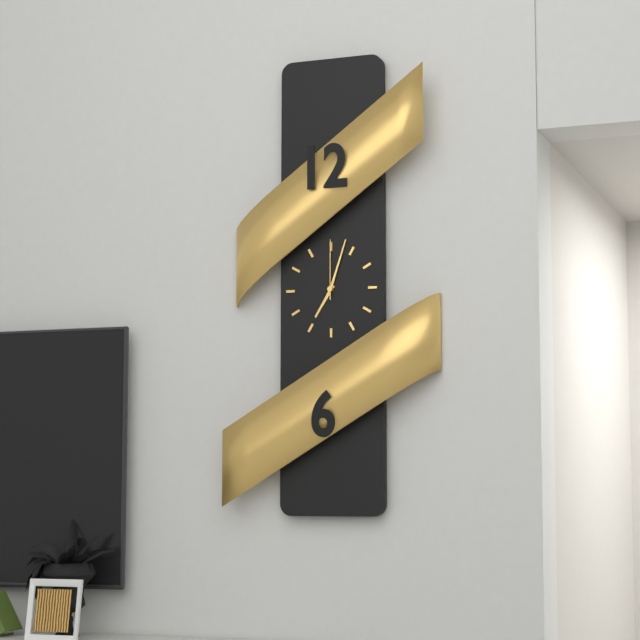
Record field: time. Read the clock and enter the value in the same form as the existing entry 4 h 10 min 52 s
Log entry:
7 h 03 min 00 s
